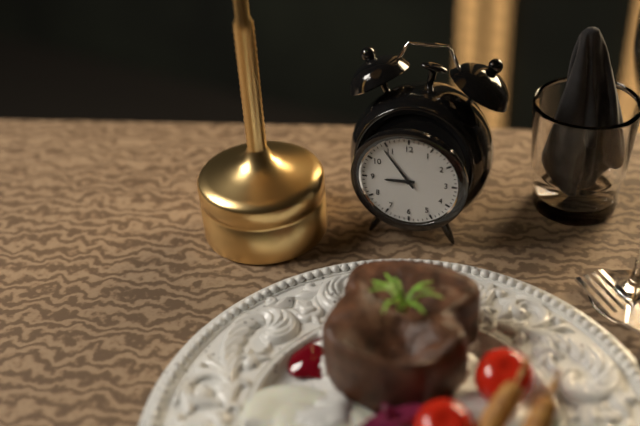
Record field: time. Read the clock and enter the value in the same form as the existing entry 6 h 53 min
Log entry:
8 h 54 min
